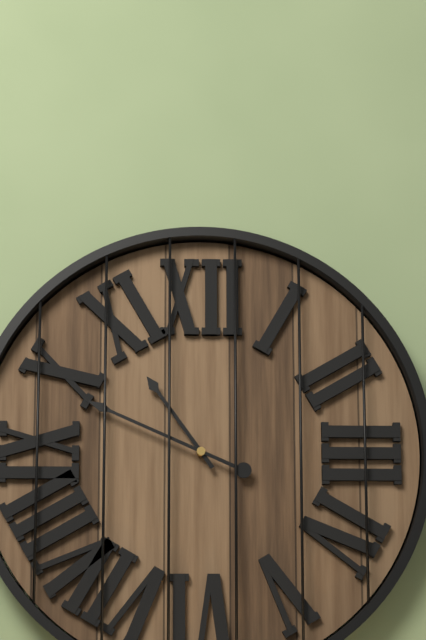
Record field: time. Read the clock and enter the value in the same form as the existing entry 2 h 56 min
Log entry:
10 h 49 min
